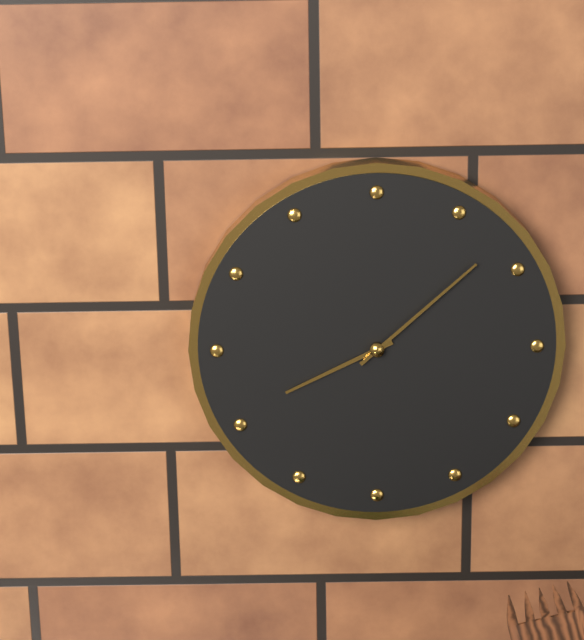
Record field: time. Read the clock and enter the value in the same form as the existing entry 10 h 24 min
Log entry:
8 h 08 min
